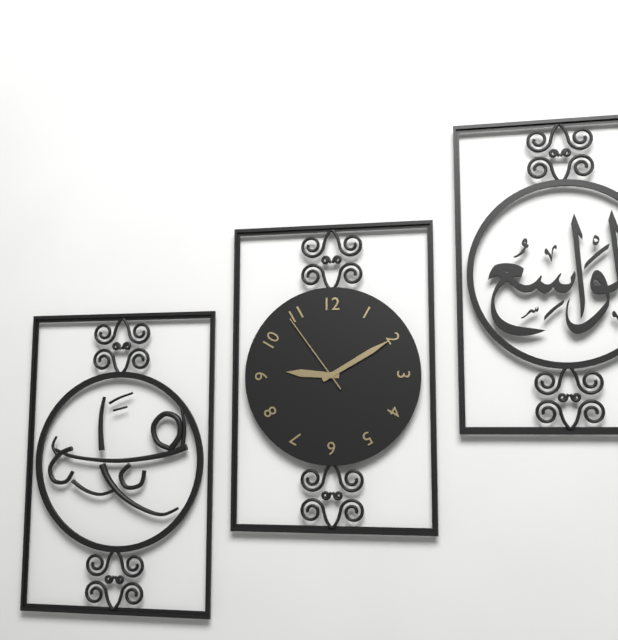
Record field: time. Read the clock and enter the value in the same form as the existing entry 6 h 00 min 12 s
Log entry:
9 h 10 min 54 s
